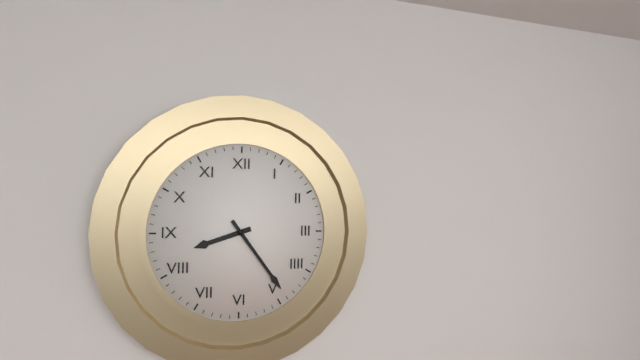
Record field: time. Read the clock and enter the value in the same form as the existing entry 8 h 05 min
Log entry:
8 h 24 min
